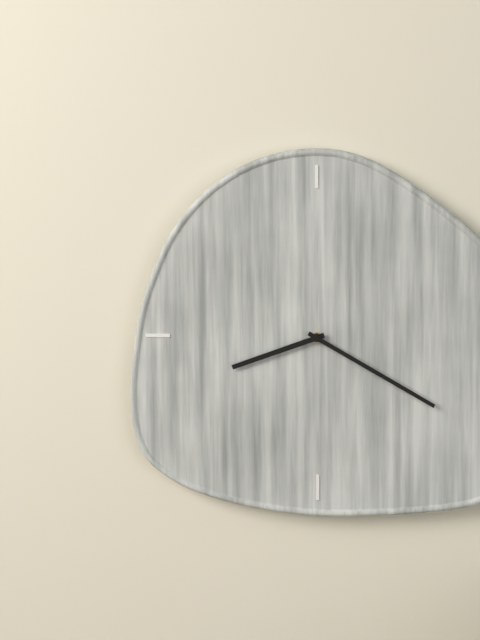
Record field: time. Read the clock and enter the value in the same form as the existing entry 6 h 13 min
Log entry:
8 h 20 min
